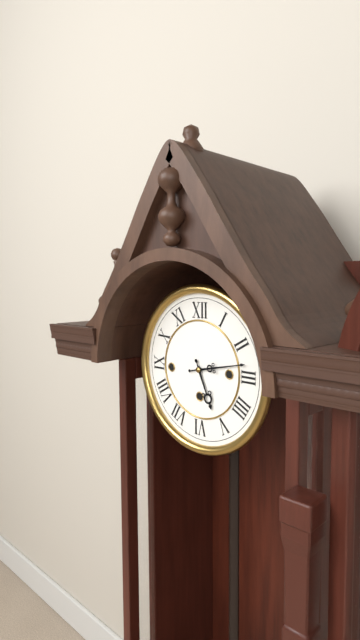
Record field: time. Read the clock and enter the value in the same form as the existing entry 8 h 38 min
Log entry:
5 h 13 min
